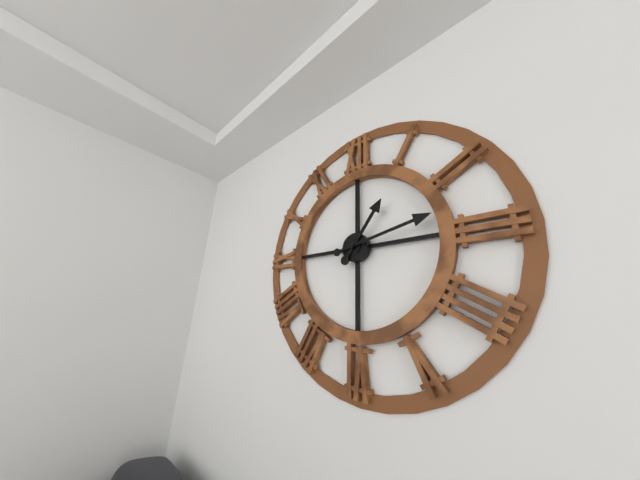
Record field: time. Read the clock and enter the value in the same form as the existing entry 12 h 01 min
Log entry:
1 h 13 min
